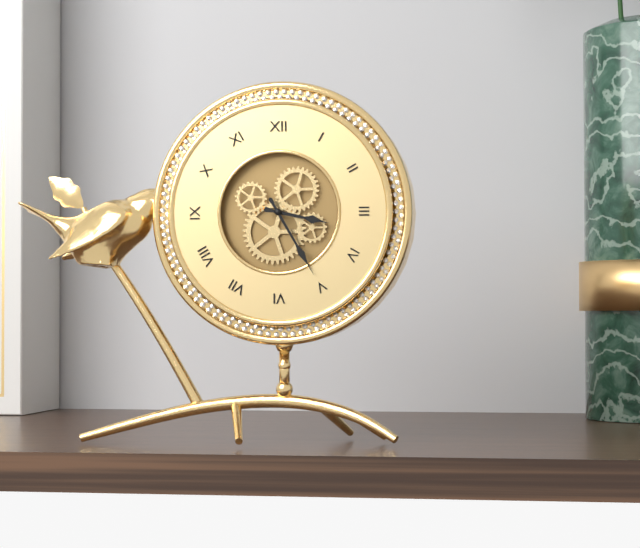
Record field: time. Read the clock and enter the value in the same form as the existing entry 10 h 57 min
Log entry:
3 h 25 min
